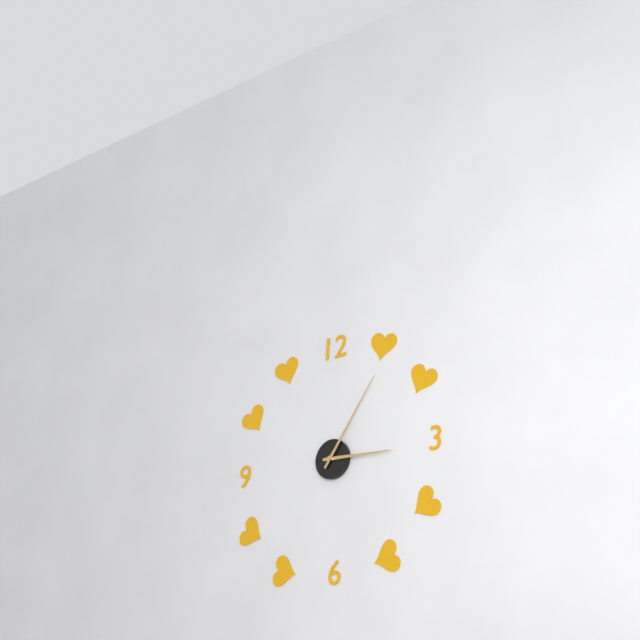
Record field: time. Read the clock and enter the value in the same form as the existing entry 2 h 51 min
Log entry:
3 h 06 min
